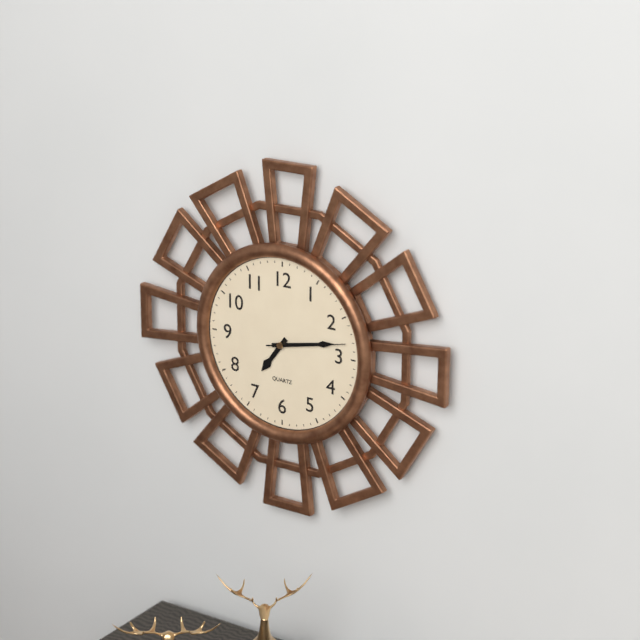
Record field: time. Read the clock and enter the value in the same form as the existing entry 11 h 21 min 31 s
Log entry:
7 h 13 min 13 s
